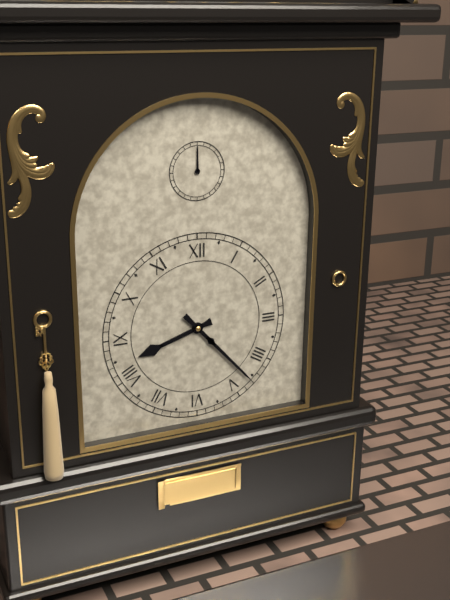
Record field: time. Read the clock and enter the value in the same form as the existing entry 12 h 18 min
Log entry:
8 h 23 min
